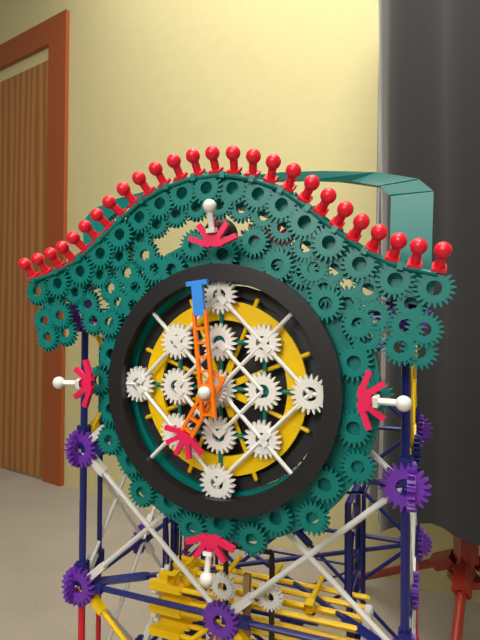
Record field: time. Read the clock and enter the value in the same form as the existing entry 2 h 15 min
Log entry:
6 h 59 min
